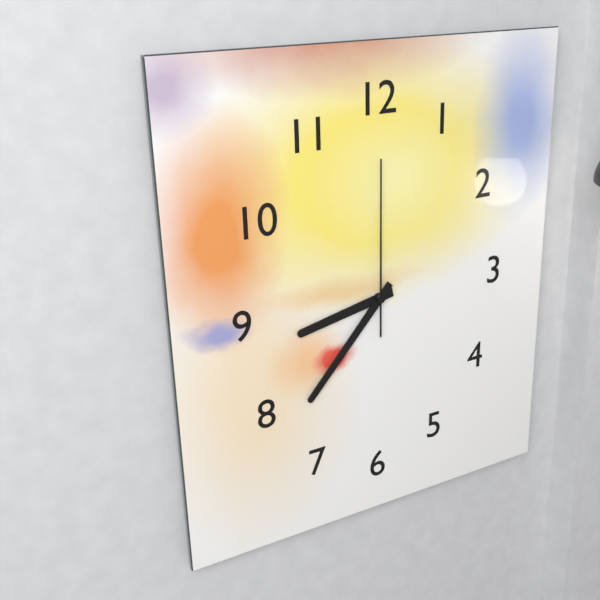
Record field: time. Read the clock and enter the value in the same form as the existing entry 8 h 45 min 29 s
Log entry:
8 h 37 min 00 s
